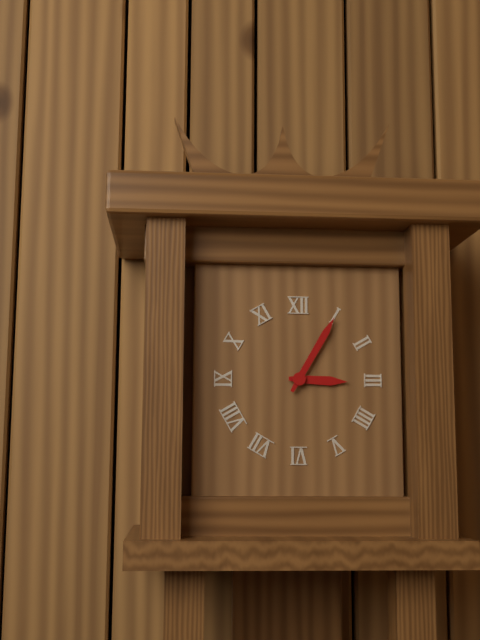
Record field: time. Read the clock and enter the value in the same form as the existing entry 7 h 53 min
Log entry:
3 h 05 min
